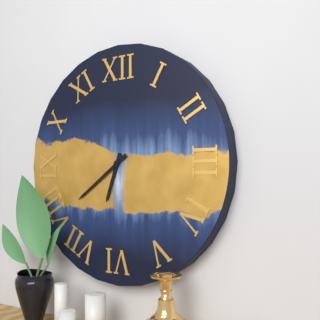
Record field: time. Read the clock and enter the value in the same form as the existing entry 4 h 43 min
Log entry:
6 h 39 min
